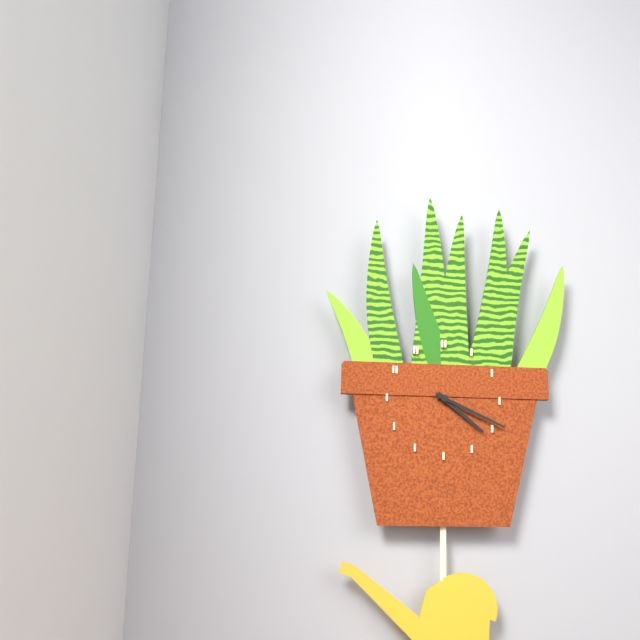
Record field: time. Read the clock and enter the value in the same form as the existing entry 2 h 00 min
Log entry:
4 h 19 min
